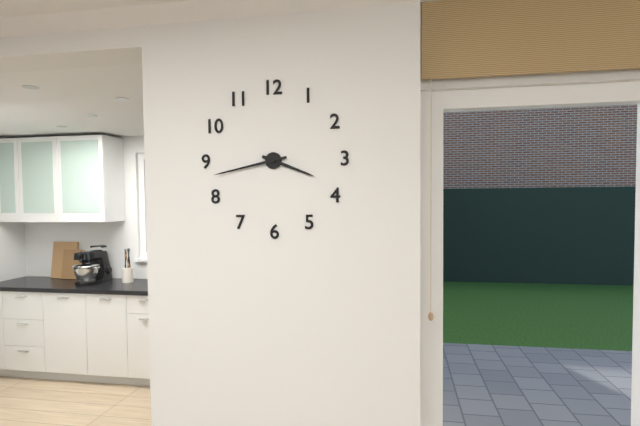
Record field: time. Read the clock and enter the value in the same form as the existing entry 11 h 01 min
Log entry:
3 h 43 min
